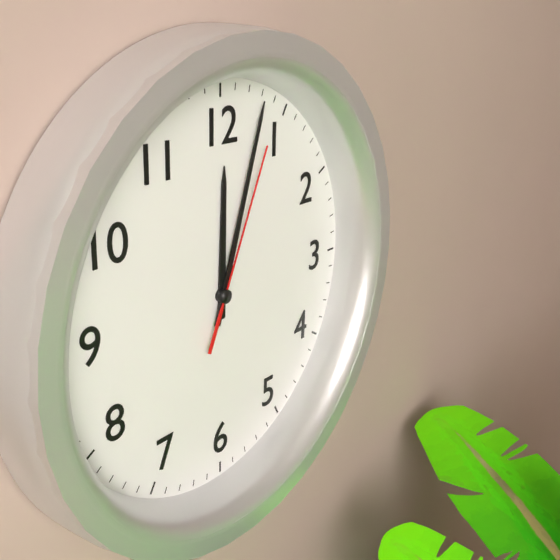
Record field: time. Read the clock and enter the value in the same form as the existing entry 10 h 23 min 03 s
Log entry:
12 h 03 min 04 s
